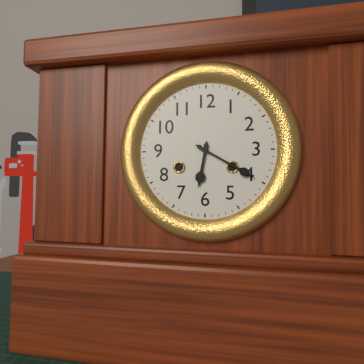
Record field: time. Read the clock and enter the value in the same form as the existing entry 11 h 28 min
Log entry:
6 h 20 min
